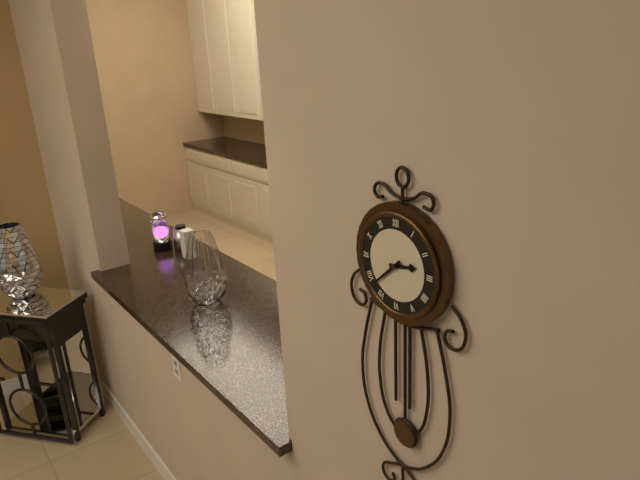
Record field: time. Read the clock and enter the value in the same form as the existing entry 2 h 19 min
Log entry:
2 h 38 min
